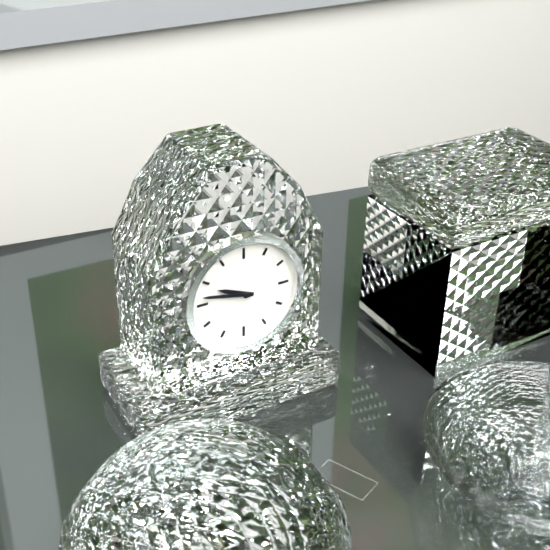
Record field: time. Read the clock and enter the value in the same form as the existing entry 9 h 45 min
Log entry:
9 h 47 min
